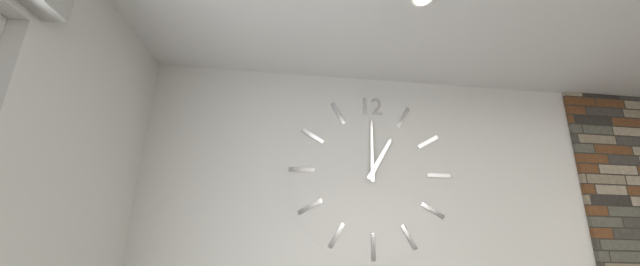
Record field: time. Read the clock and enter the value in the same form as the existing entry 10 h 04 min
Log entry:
1 h 00 min
